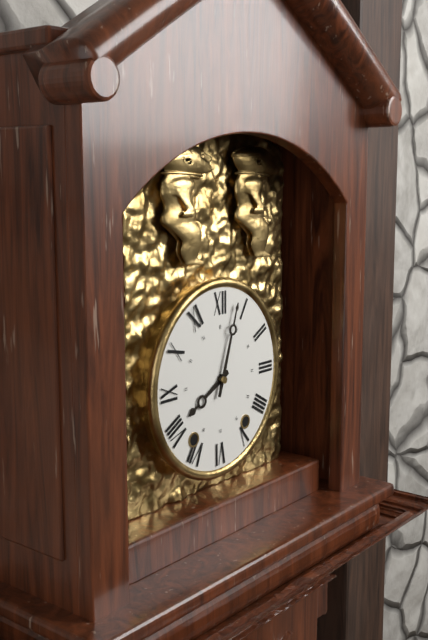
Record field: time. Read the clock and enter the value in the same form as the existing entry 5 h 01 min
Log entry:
8 h 03 min
